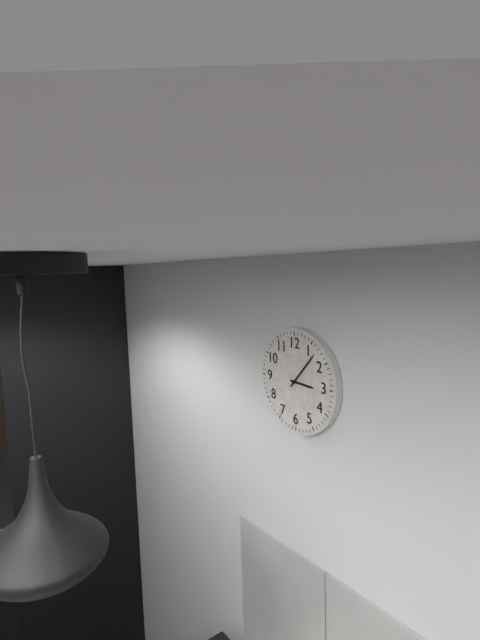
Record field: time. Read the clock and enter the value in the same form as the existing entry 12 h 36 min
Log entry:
3 h 07 min
